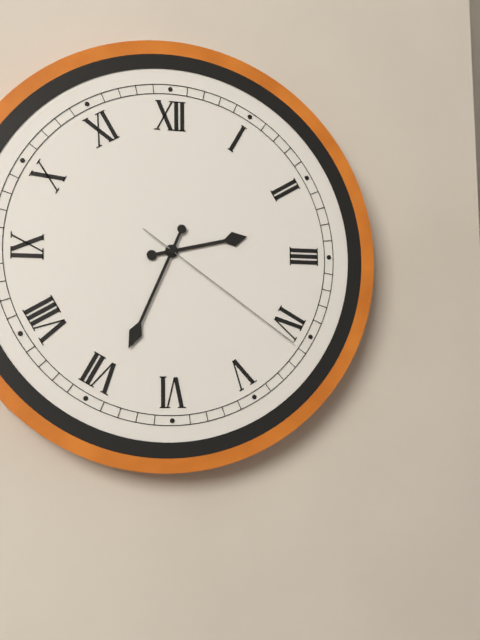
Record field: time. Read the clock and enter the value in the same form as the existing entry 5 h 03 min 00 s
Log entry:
2 h 34 min 21 s
